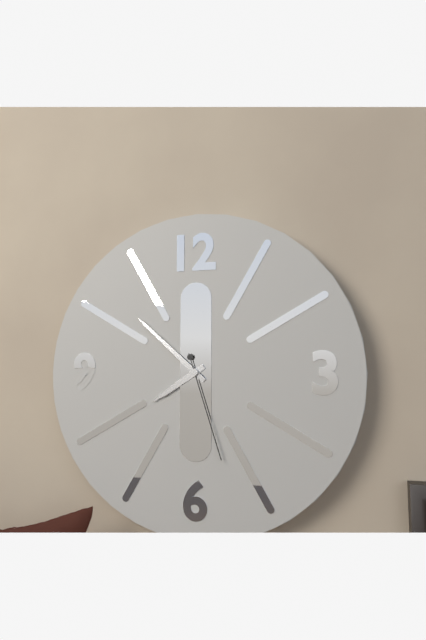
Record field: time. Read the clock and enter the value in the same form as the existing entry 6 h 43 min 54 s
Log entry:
7 h 52 min 27 s
